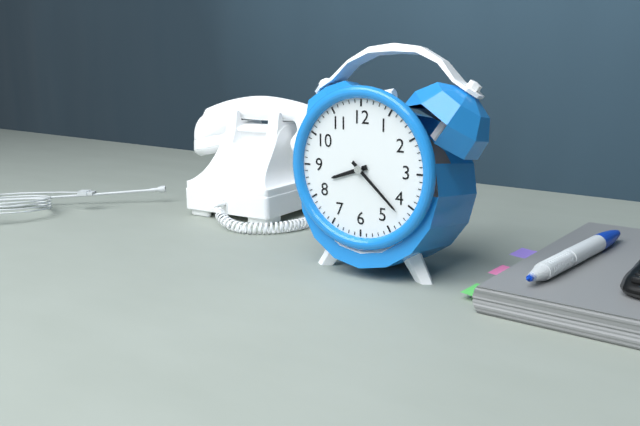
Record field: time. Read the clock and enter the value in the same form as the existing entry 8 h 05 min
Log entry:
8 h 22 min
